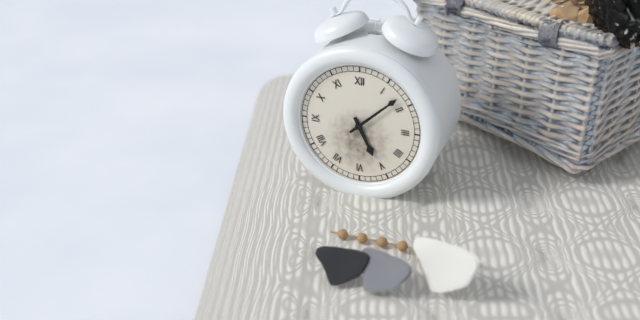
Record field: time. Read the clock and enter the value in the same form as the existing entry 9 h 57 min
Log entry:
5 h 08 min
